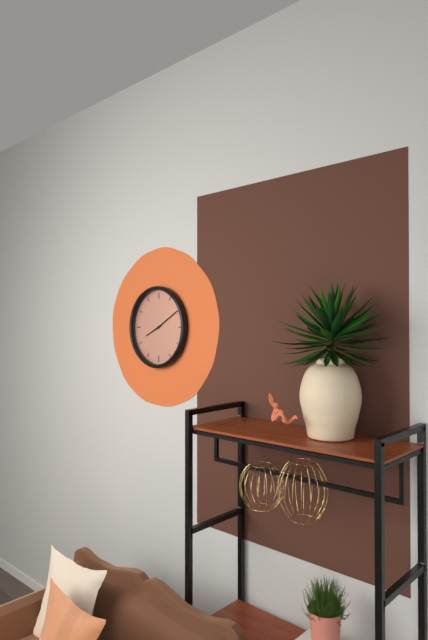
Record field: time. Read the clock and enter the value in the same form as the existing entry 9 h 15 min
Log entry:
8 h 10 min
